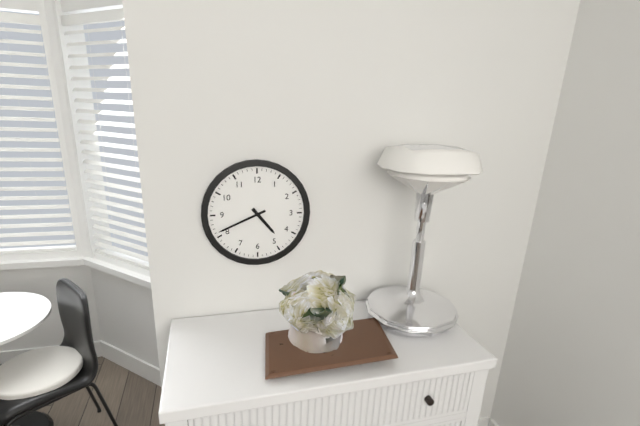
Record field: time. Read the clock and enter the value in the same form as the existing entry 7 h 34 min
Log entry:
4 h 41 min
